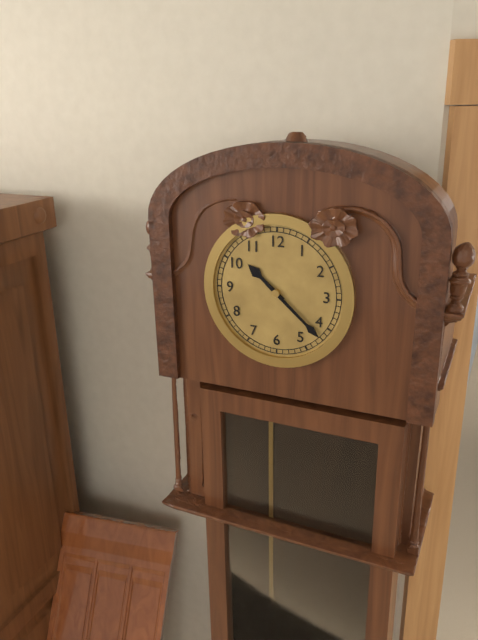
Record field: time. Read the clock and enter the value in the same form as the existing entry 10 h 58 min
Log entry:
10 h 22 min
